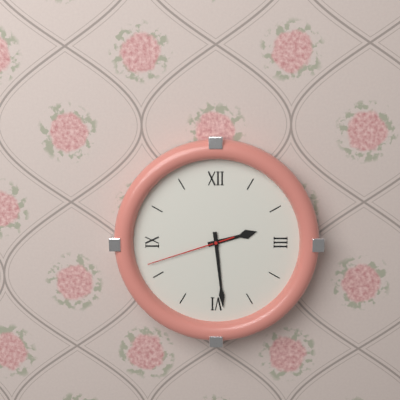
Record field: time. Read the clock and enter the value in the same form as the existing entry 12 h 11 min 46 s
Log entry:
2 h 29 min 42 s
